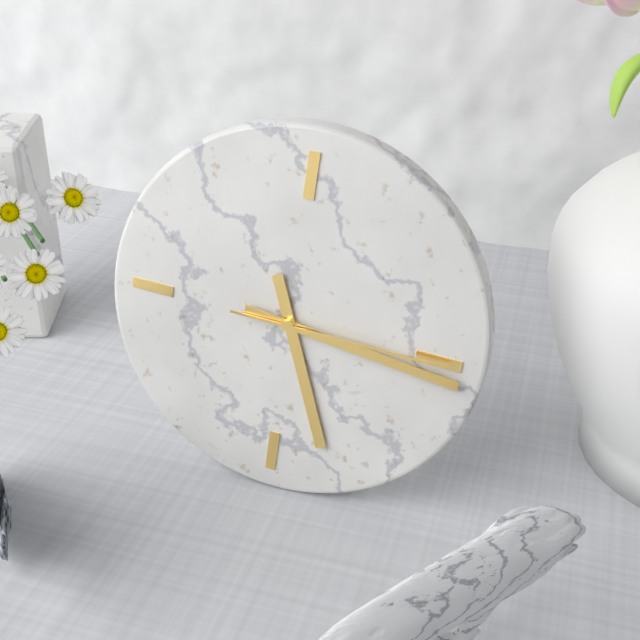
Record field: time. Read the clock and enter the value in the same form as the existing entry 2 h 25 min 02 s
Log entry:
5 h 16 min 15 s
